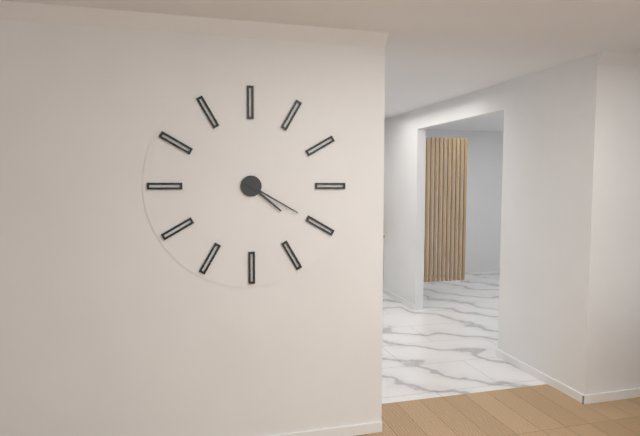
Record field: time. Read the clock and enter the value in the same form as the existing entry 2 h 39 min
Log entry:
4 h 20 min
